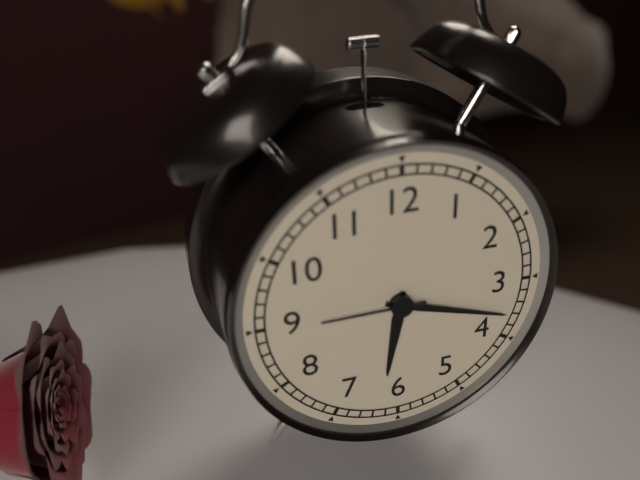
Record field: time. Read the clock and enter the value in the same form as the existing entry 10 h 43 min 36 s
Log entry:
6 h 18 min 45 s
